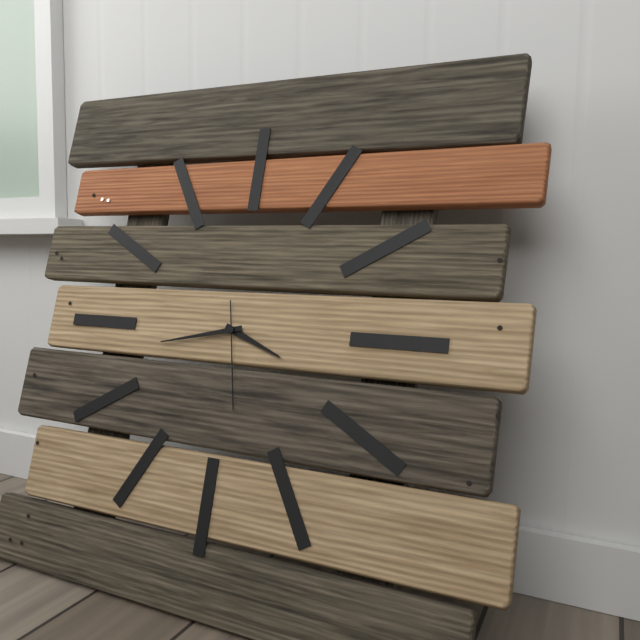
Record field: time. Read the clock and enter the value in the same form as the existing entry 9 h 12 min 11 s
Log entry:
3 h 43 min 28 s
